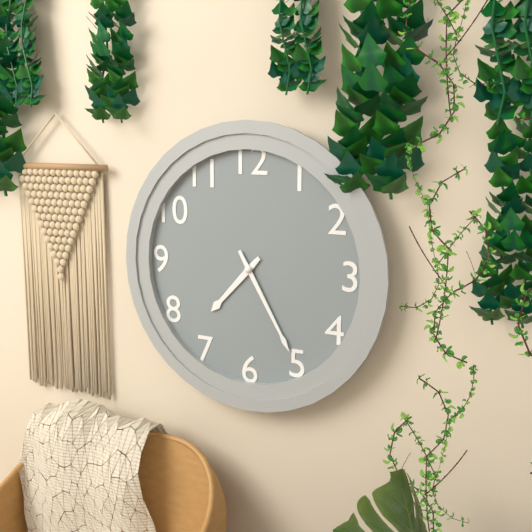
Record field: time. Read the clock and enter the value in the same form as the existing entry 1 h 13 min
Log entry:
7 h 25 min
